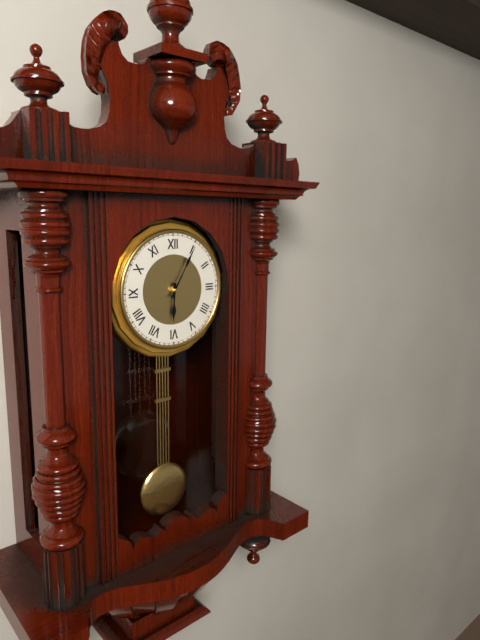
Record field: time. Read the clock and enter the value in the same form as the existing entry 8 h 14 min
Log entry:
6 h 05 min
